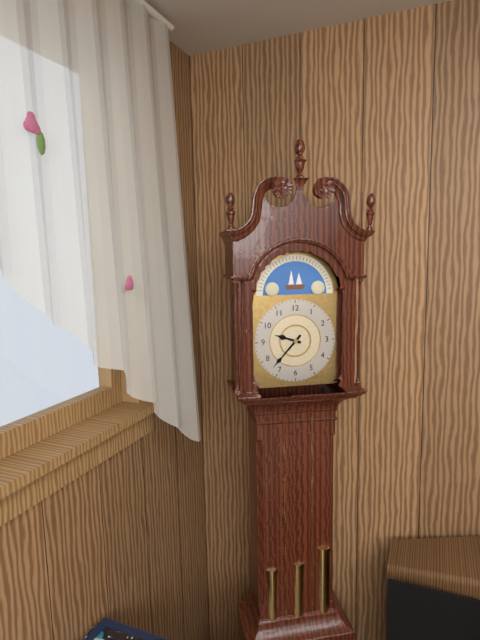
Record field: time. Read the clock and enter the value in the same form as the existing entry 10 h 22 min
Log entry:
9 h 37 min
